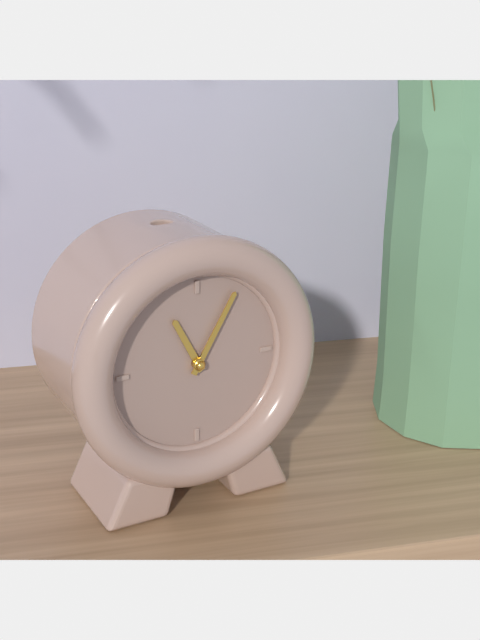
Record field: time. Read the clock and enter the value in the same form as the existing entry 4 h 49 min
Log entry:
11 h 05 min
